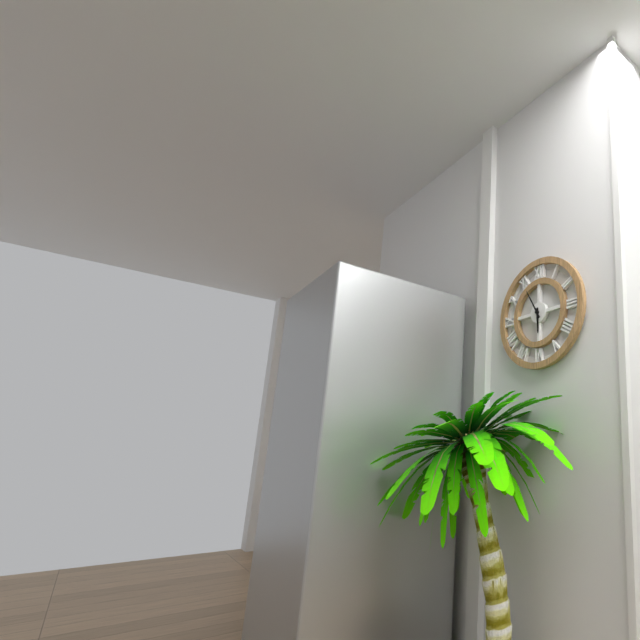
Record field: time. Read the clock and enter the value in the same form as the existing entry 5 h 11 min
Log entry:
5 h 55 min
